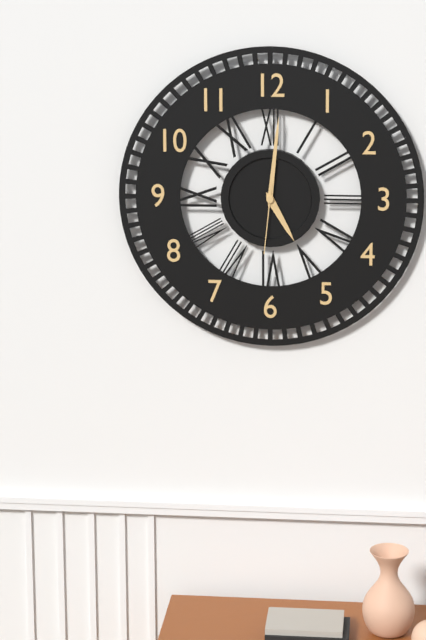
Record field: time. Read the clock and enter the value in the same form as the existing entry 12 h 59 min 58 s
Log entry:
5 h 01 min 31 s
